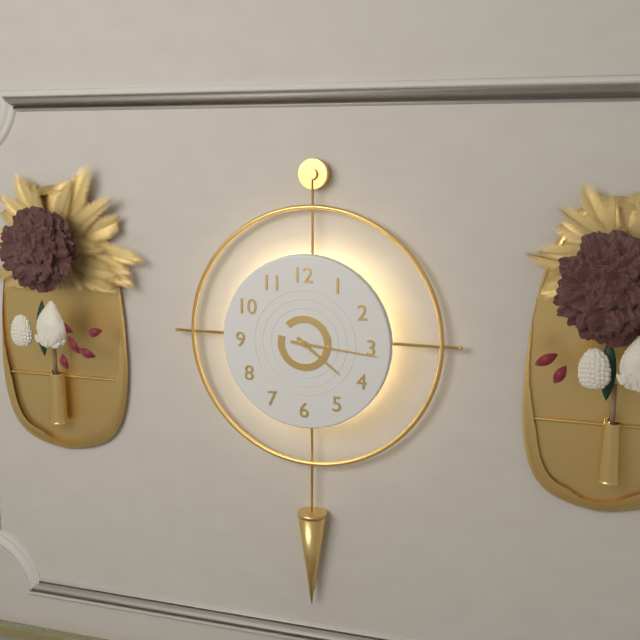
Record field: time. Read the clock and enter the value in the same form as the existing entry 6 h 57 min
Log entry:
4 h 16 min
